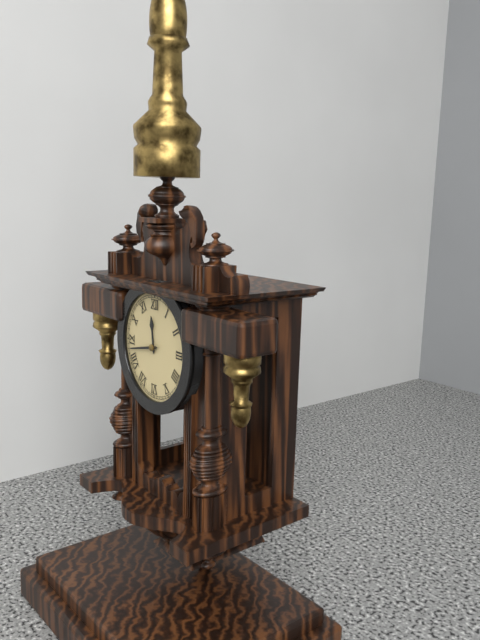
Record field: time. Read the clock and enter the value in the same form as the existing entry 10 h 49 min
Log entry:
11 h 43 min
